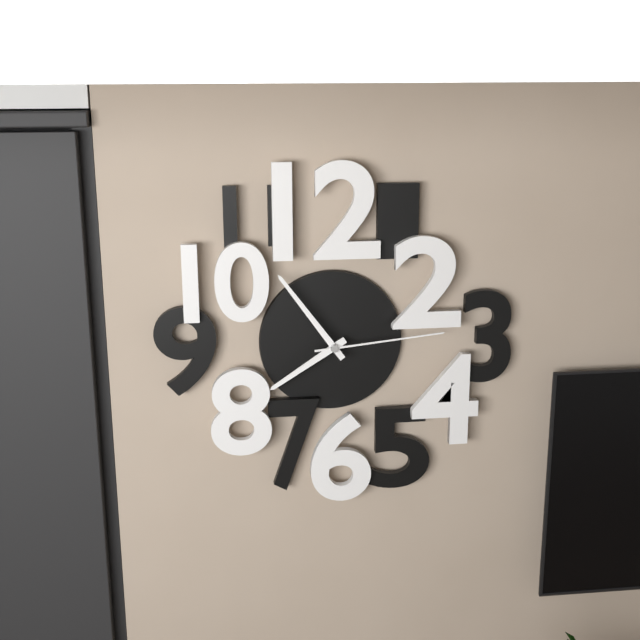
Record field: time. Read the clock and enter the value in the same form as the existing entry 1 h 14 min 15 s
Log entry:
7 h 54 min 14 s
